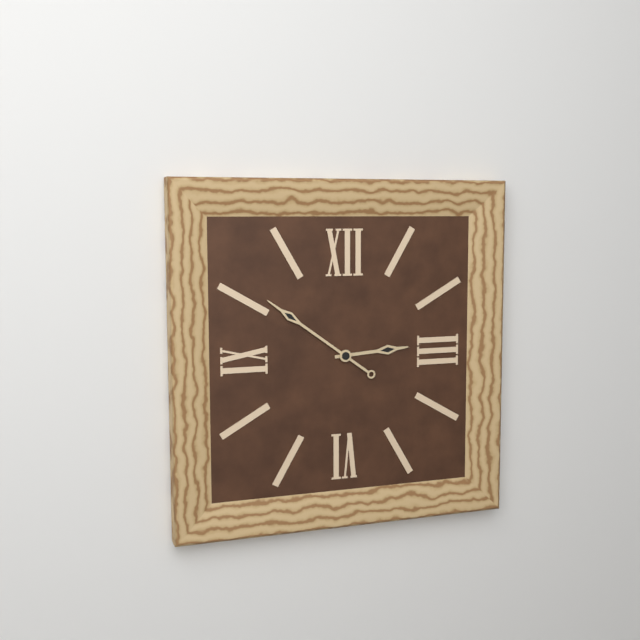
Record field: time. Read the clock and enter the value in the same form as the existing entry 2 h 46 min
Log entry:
2 h 51 min
